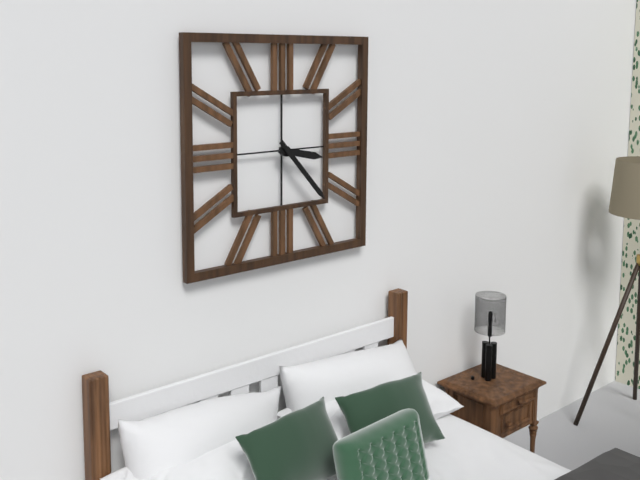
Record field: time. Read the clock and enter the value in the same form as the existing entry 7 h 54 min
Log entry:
3 h 23 min
